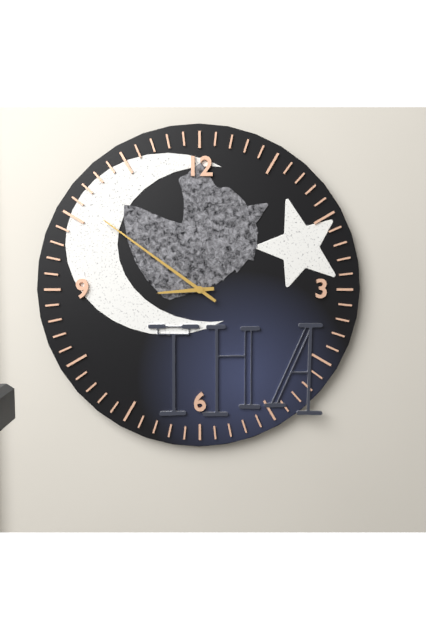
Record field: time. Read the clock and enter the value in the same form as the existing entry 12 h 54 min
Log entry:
8 h 51 min
